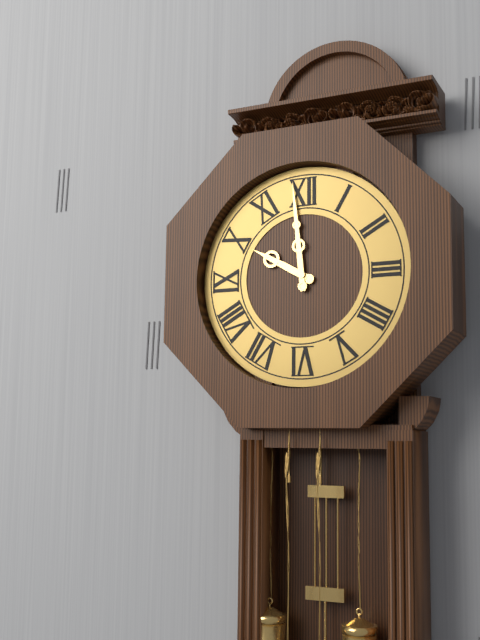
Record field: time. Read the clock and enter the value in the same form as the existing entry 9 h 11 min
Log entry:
9 h 59 min
